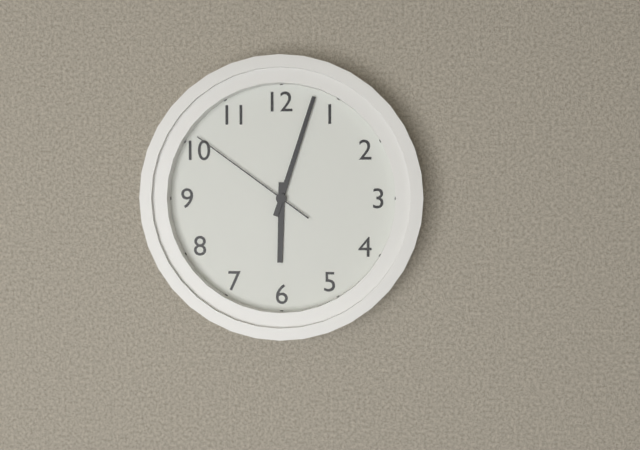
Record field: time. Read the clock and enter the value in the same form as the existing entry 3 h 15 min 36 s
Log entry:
6 h 03 min 51 s
